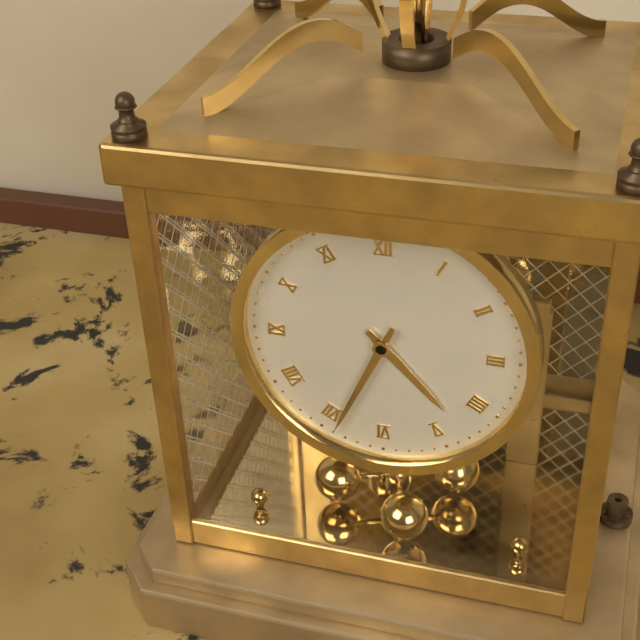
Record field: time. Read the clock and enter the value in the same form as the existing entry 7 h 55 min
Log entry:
4 h 34 min
